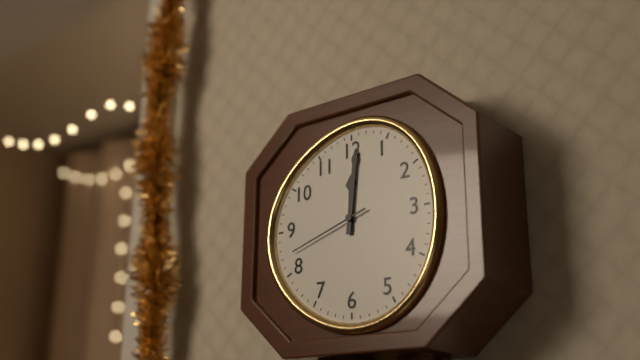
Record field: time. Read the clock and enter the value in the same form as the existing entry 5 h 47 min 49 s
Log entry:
12 h 01 min 42 s
